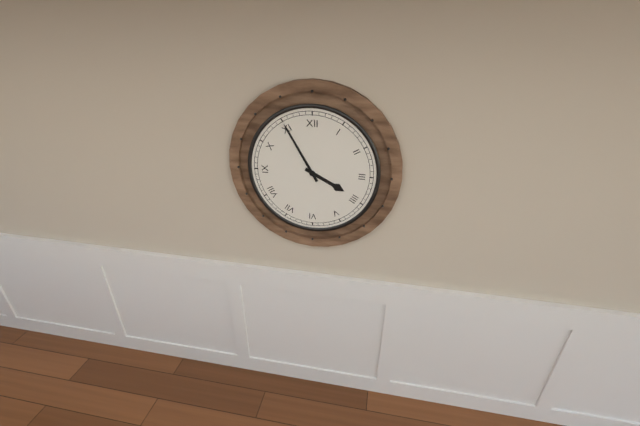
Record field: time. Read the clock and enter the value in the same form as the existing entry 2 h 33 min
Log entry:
3 h 55 min
